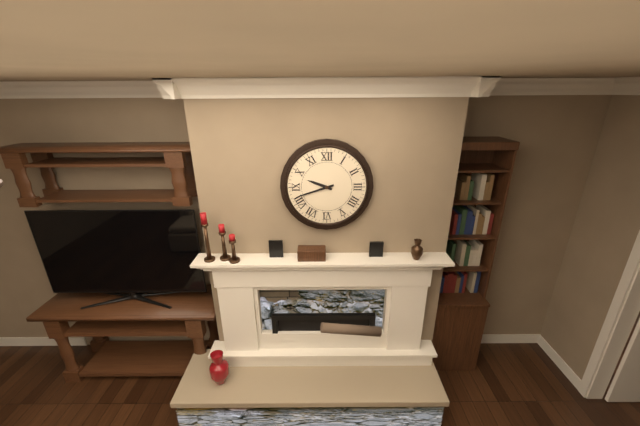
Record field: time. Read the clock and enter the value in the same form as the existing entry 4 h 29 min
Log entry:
9 h 42 min
